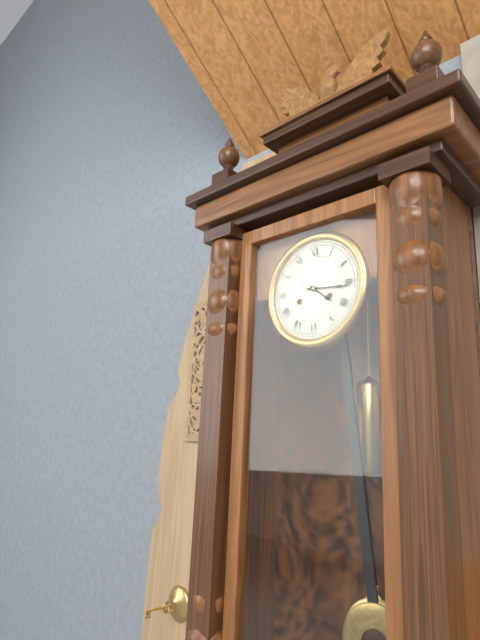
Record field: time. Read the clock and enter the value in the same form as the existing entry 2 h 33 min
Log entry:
4 h 16 min
